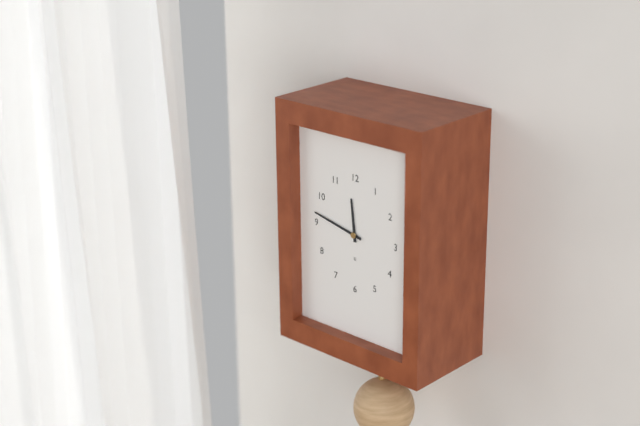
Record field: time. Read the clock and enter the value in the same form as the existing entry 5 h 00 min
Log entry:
11 h 47 min
